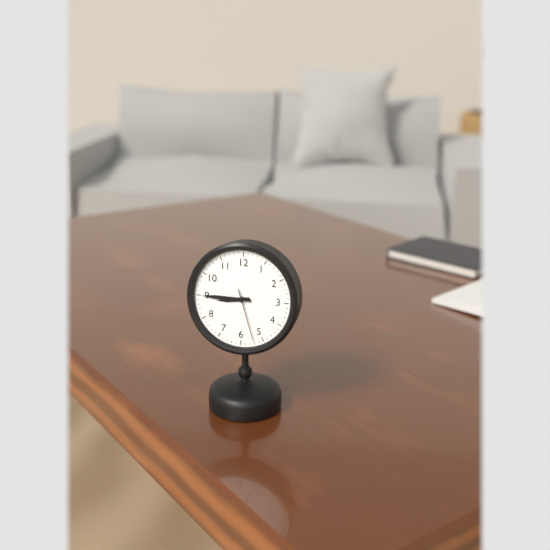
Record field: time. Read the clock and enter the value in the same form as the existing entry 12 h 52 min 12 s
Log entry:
8 h 45 min 27 s
